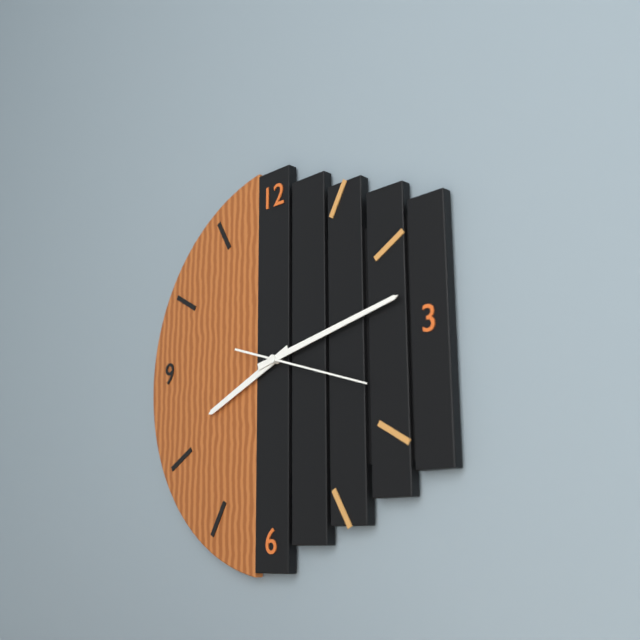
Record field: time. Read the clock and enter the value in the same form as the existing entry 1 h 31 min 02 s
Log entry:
8 h 13 min 18 s
